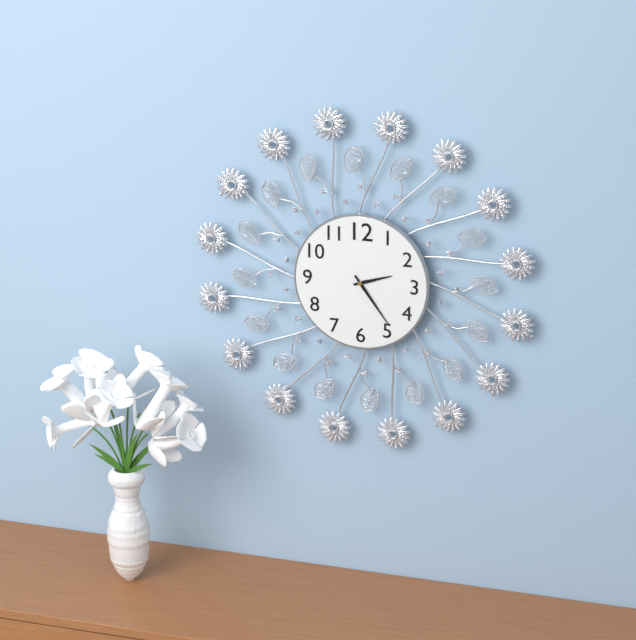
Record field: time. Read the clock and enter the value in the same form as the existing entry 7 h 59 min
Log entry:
2 h 24 min
